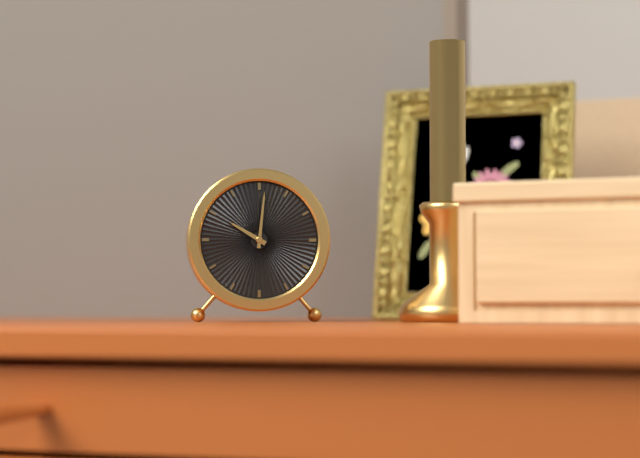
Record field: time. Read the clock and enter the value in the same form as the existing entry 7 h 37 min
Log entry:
10 h 01 min
